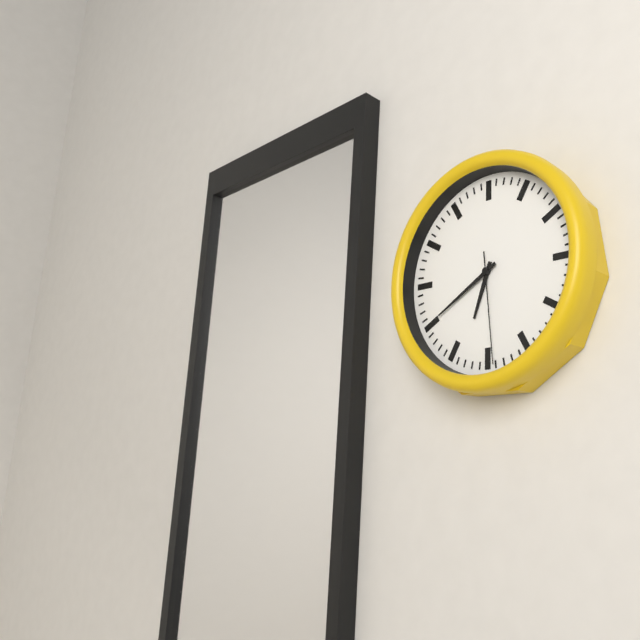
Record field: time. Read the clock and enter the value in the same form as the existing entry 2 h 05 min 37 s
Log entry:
6 h 40 min 29 s
